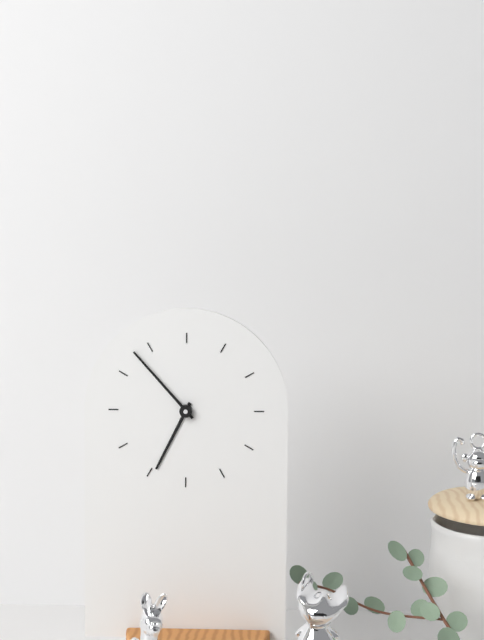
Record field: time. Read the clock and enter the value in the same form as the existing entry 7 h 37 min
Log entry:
6 h 53 min
